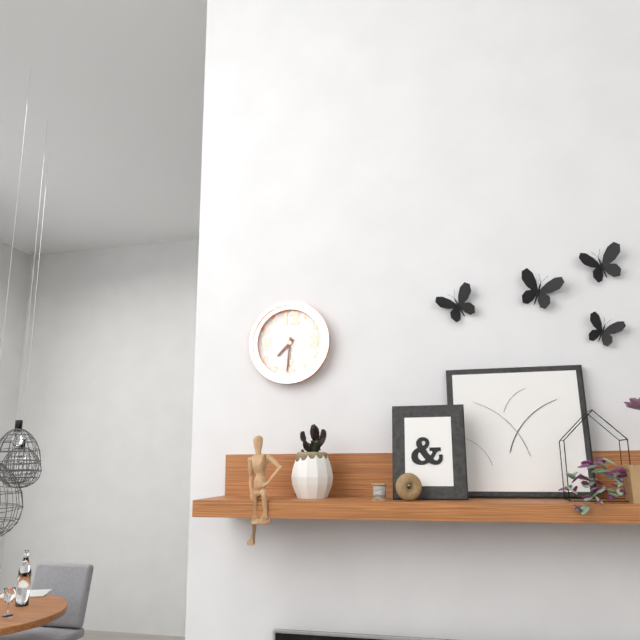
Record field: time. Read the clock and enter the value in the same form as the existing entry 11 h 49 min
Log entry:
7 h 31 min
